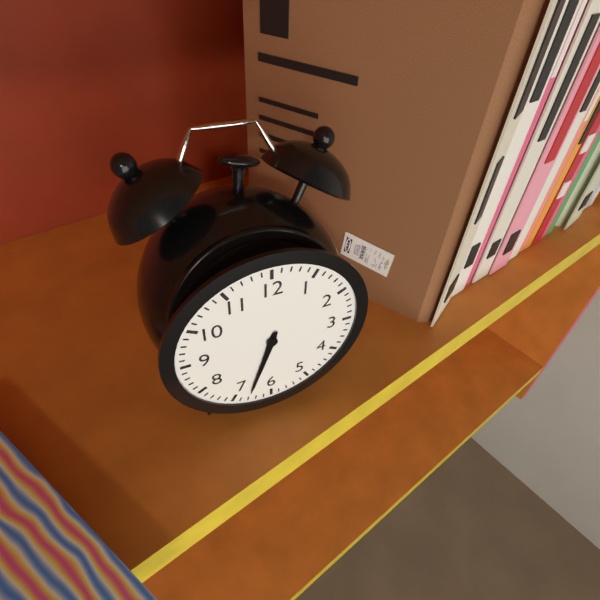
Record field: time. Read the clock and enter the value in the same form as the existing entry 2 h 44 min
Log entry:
6 h 33 min
